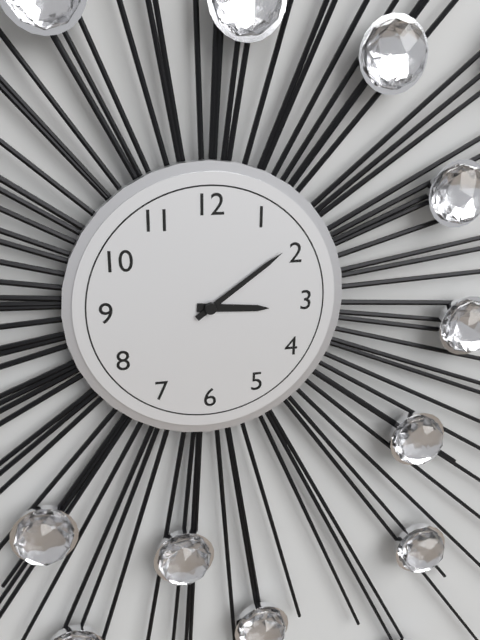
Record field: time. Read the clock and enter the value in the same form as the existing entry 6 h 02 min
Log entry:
3 h 09 min
